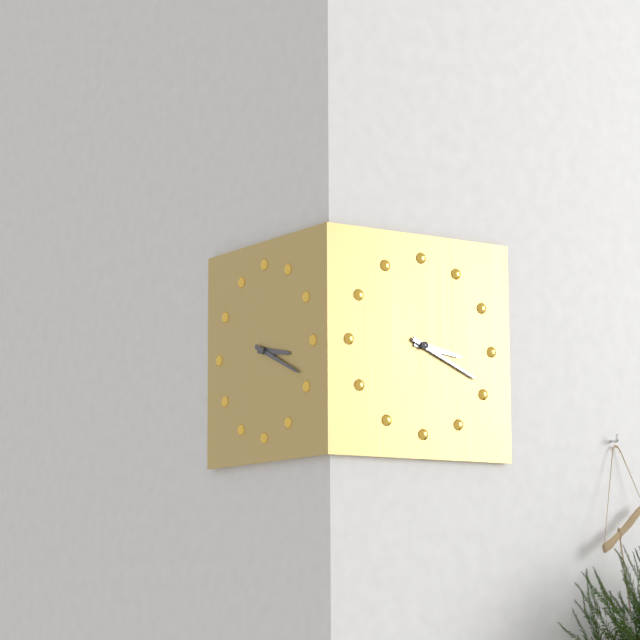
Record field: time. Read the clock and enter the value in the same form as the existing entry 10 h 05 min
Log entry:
3 h 19 min
